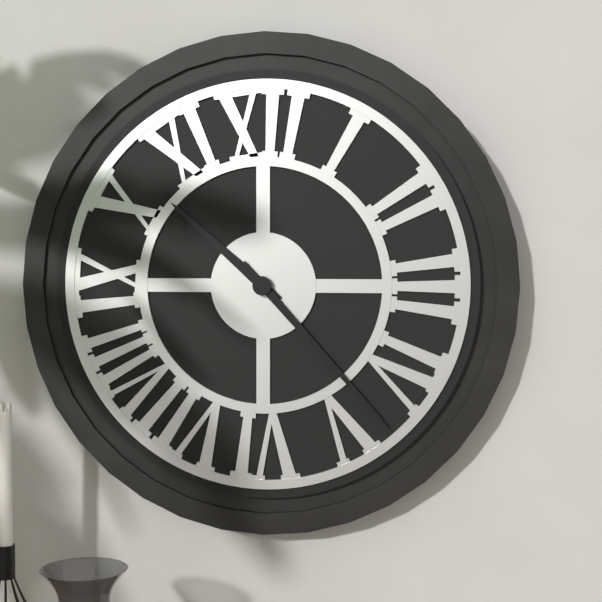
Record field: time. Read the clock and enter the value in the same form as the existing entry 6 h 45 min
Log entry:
10 h 23 min
